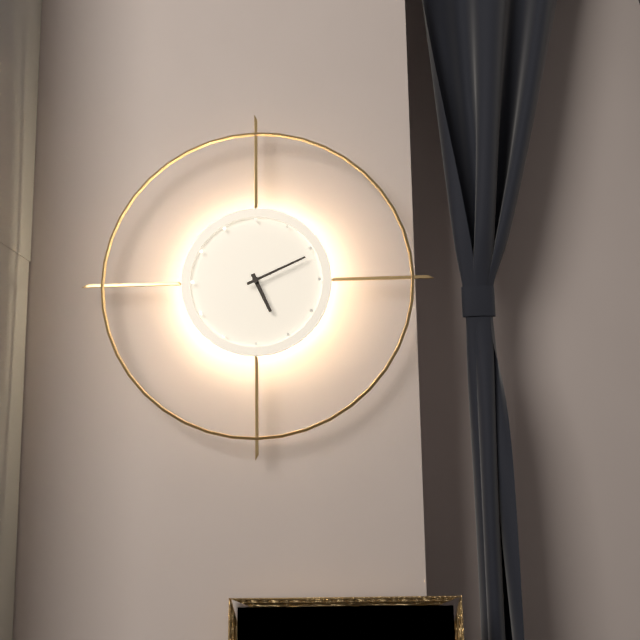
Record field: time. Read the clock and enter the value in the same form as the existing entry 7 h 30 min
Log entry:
5 h 11 min
